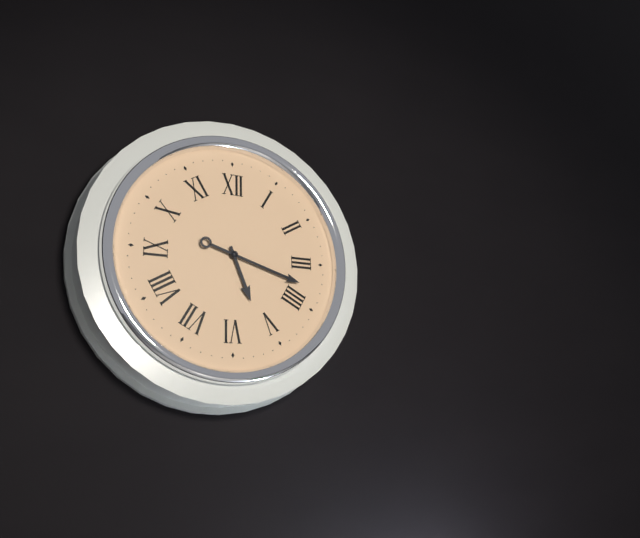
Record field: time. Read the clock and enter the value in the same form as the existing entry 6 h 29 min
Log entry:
5 h 18 min
